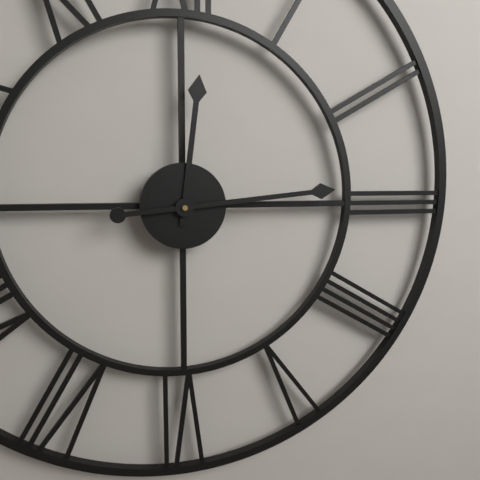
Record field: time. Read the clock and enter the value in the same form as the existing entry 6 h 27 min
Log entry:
12 h 14 min
